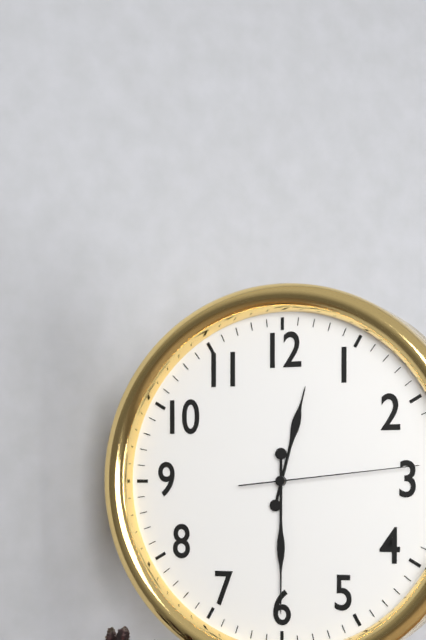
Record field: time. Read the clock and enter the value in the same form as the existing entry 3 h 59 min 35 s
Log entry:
12 h 30 min 14 s
